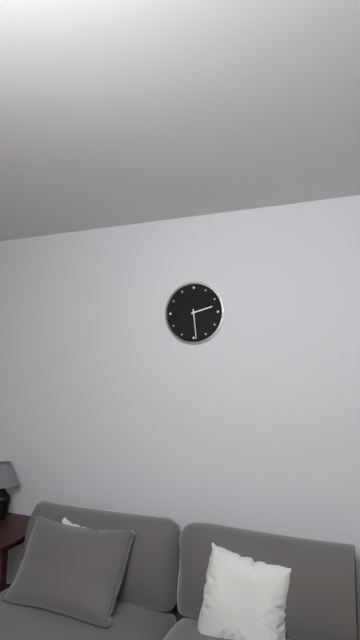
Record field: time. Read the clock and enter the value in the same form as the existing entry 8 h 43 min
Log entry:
2 h 29 min
